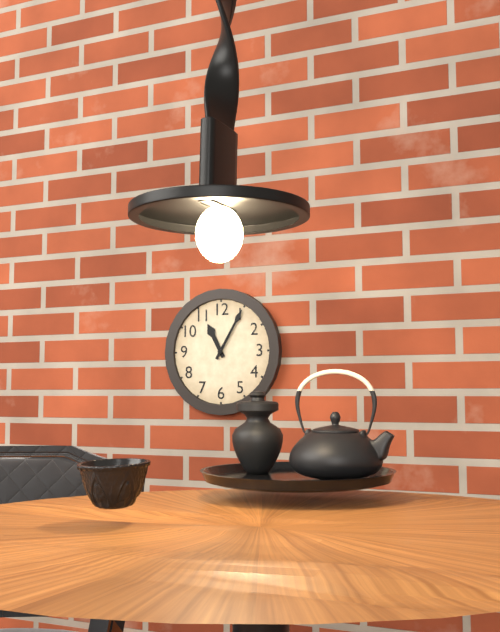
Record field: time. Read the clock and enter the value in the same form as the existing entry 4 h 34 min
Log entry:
11 h 05 min
